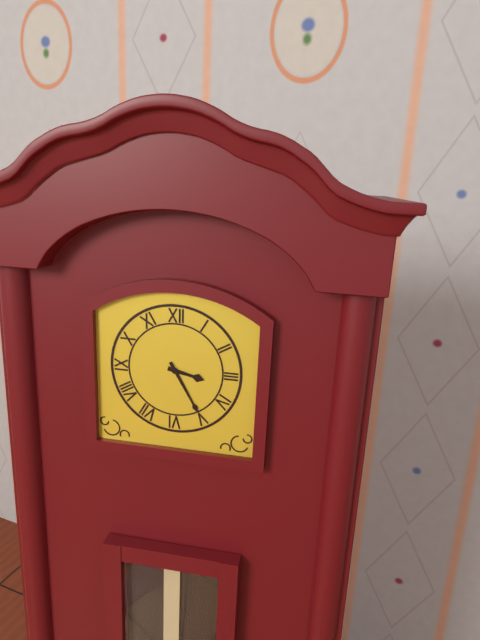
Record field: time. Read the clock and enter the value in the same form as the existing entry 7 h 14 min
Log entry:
3 h 25 min
